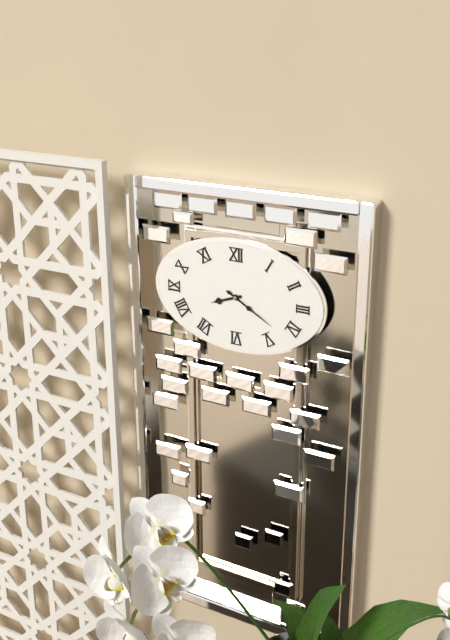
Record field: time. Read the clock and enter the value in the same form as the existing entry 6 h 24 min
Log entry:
8 h 20 min
